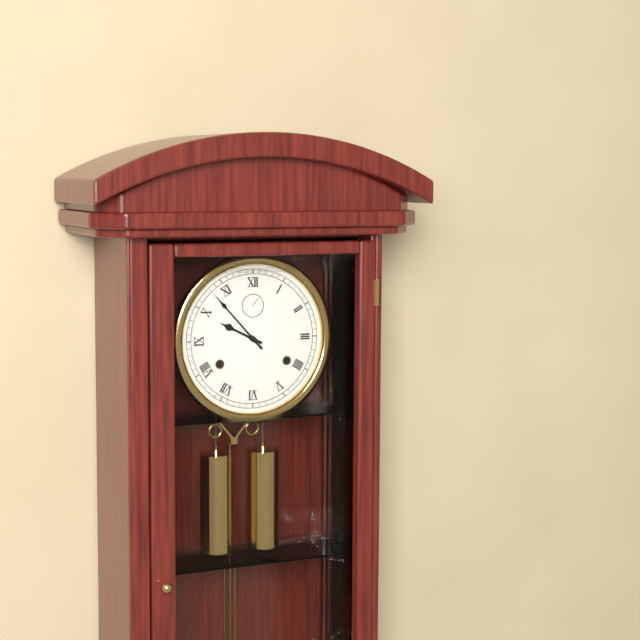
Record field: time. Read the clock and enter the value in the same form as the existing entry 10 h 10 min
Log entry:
9 h 53 min
